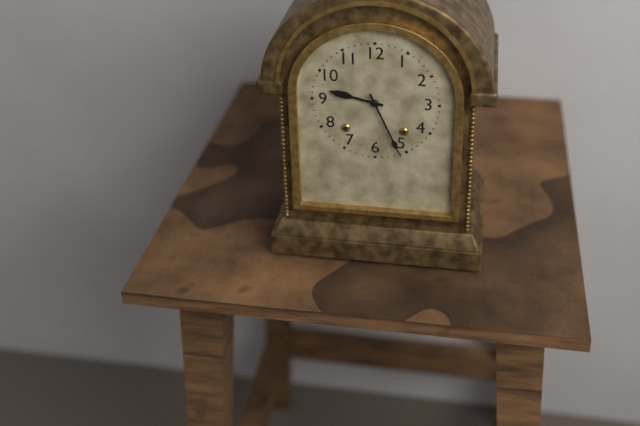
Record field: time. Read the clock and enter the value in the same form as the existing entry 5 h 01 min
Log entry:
9 h 26 min
